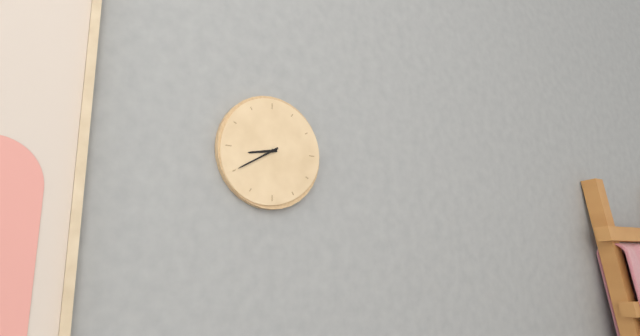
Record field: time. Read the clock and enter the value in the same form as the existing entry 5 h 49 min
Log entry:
8 h 40 min
